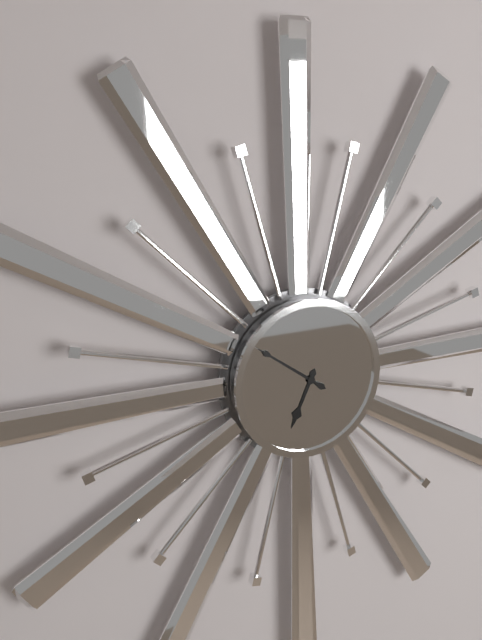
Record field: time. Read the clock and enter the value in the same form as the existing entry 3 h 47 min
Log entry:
6 h 51 min
